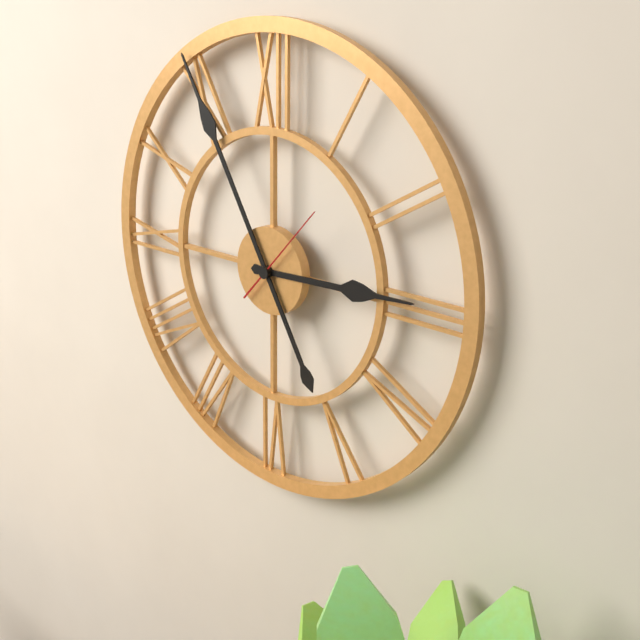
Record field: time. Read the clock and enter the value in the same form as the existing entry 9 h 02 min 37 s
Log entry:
2 h 55 min 07 s
